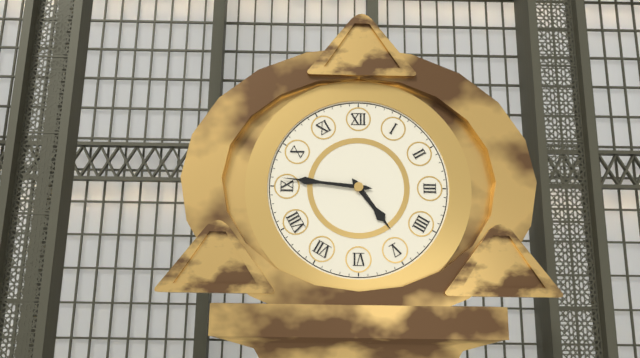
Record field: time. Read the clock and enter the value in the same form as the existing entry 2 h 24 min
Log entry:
4 h 46 min
